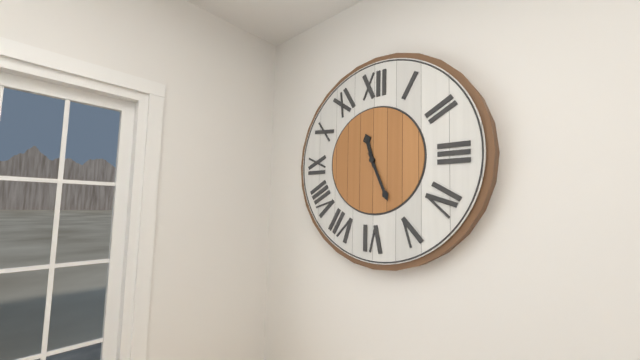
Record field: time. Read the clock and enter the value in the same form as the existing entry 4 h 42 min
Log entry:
11 h 26 min
